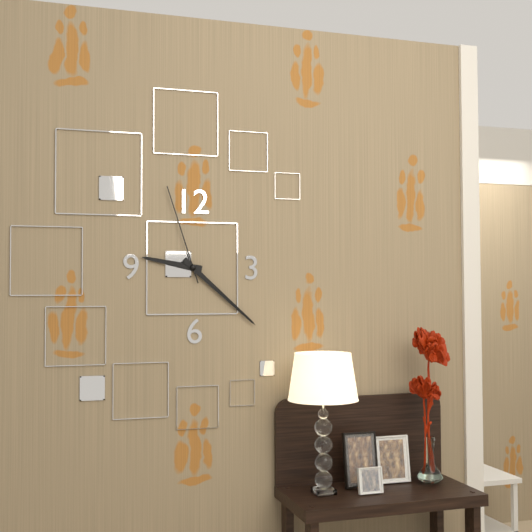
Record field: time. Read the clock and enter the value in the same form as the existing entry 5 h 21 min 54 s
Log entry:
9 h 22 min 57 s
